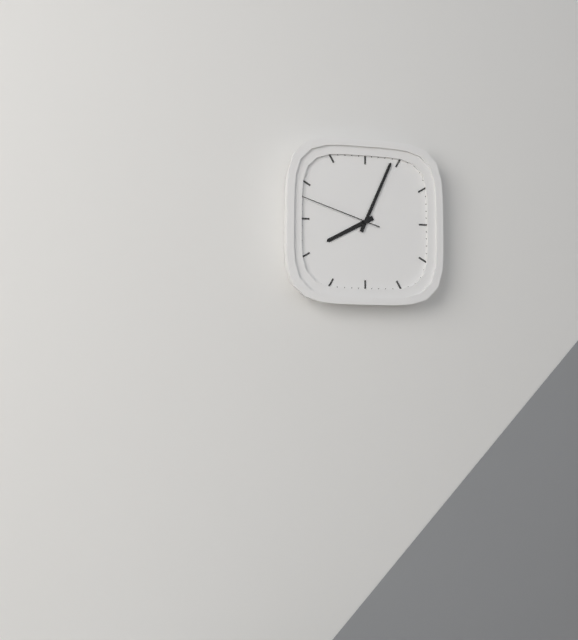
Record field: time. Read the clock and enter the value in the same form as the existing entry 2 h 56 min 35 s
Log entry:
8 h 04 min 48 s
